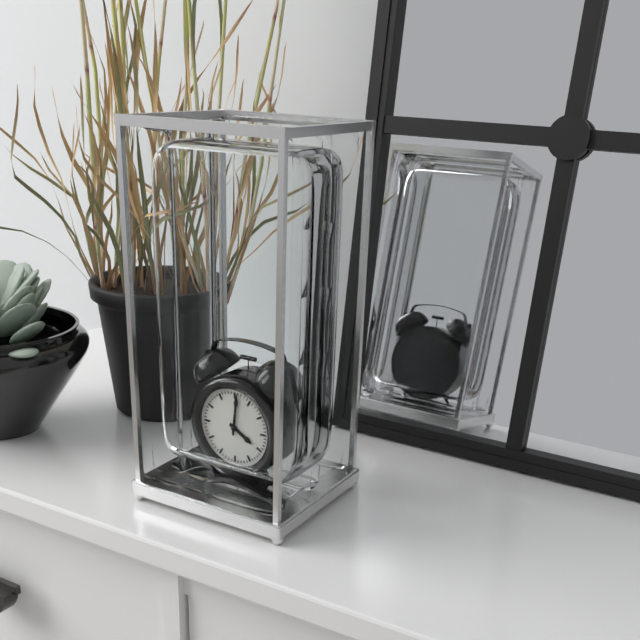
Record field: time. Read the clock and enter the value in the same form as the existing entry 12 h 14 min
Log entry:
4 h 01 min
